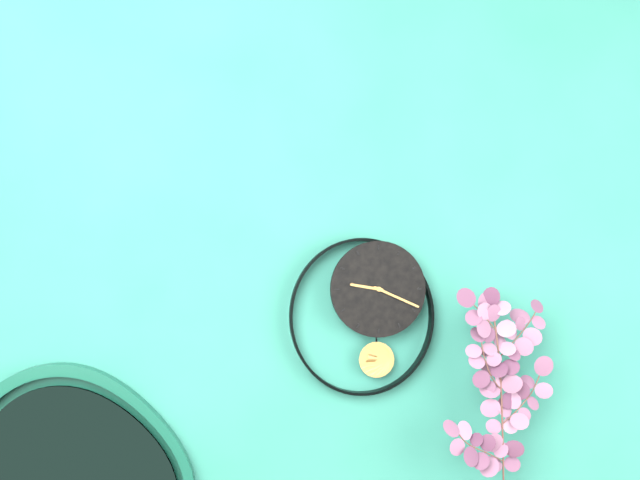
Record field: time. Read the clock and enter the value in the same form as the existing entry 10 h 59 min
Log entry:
9 h 19 min
